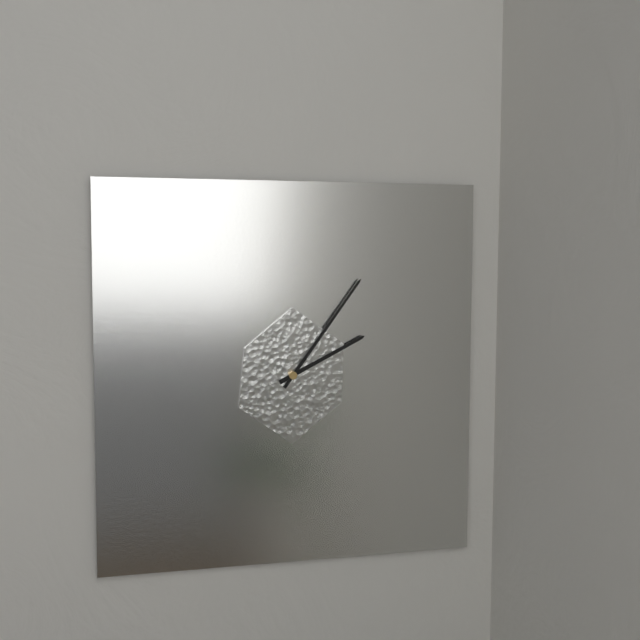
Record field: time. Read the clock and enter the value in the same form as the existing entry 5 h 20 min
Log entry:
2 h 06 min
